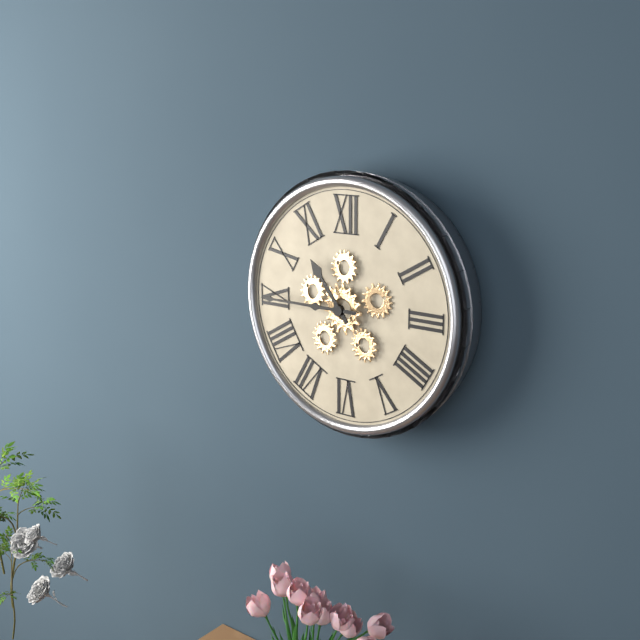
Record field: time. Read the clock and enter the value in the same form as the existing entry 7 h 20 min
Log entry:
10 h 45 min
